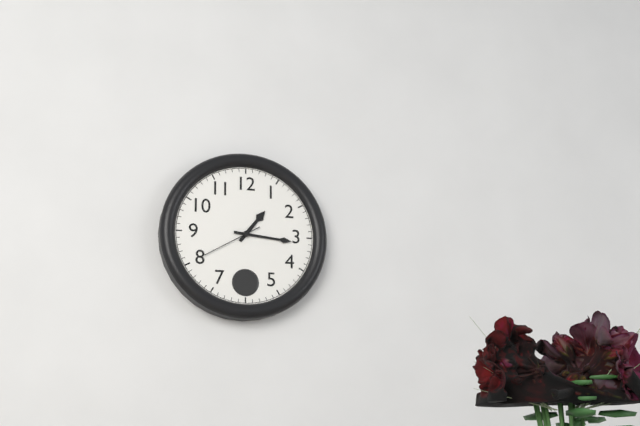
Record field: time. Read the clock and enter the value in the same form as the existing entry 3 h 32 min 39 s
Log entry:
1 h 16 min 40 s
